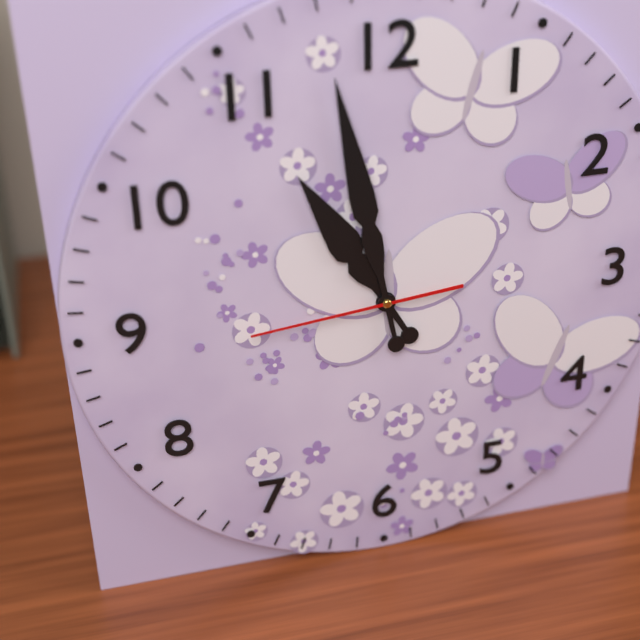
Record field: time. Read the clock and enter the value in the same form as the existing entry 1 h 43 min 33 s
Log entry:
10 h 58 min 44 s
